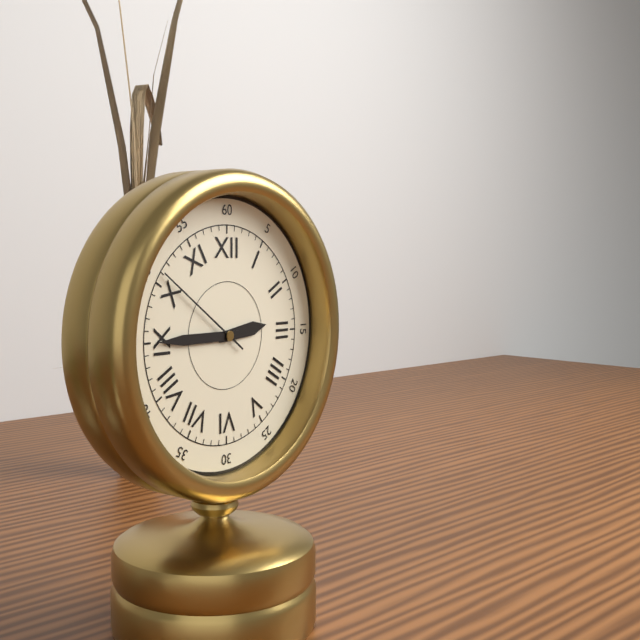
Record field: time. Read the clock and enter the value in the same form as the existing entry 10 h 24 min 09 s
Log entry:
2 h 45 min 51 s
